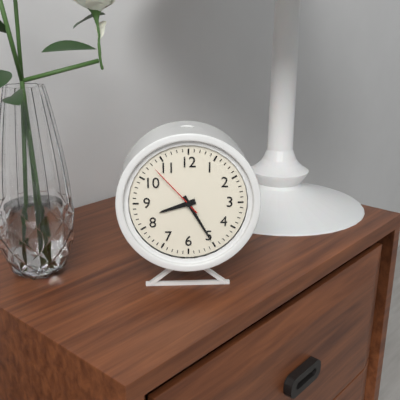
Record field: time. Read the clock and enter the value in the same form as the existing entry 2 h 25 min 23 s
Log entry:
8 h 25 min 53 s
